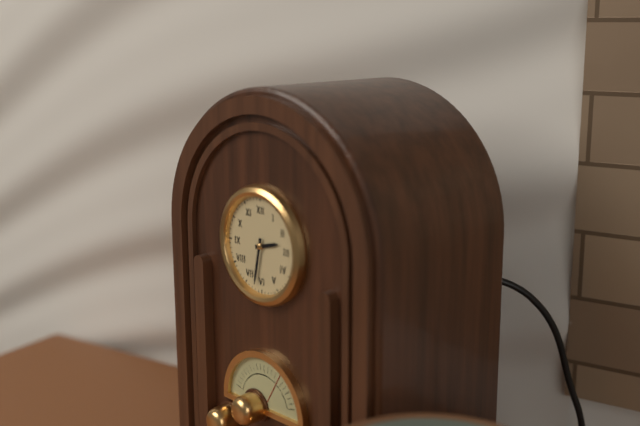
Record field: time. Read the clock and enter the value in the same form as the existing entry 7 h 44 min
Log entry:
2 h 32 min
